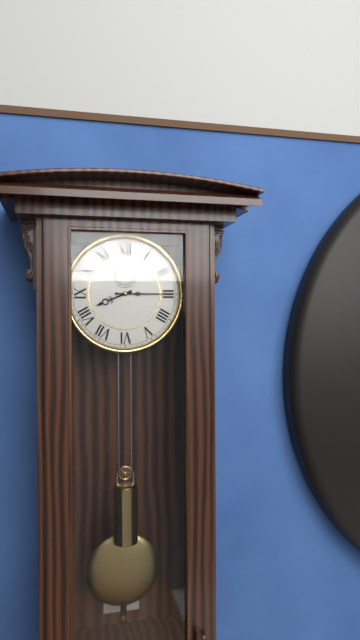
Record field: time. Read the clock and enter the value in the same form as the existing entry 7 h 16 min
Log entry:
8 h 15 min
